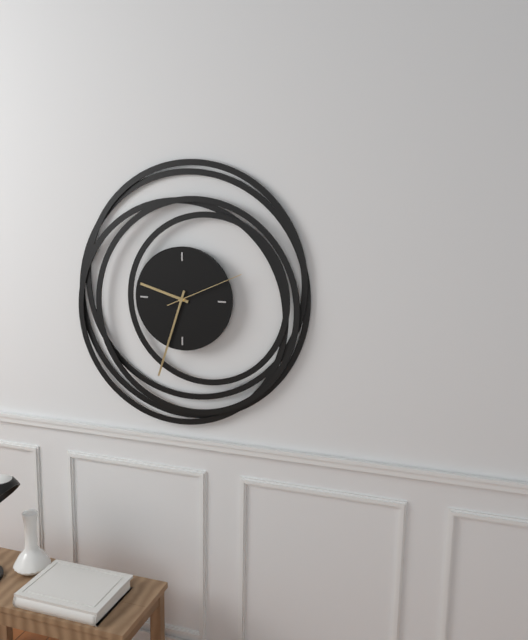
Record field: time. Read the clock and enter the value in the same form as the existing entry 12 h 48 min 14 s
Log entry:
9 h 33 min 11 s
